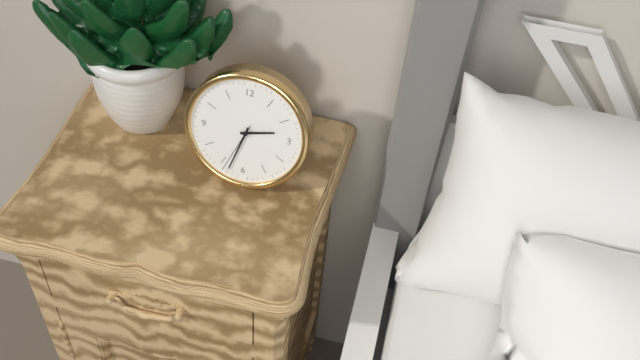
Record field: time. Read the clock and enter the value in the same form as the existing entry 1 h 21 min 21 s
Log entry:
2 h 33 min 34 s
